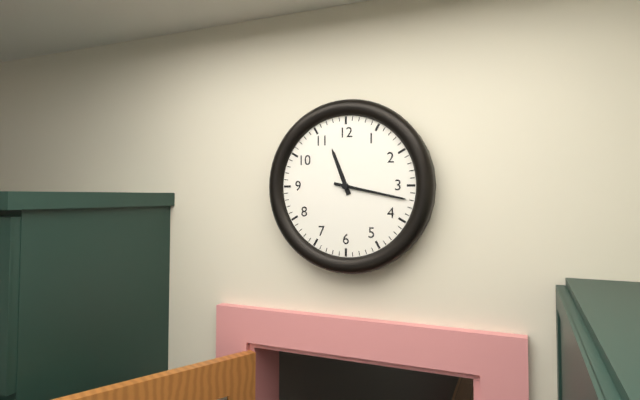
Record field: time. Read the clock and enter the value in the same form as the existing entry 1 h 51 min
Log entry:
11 h 17 min
